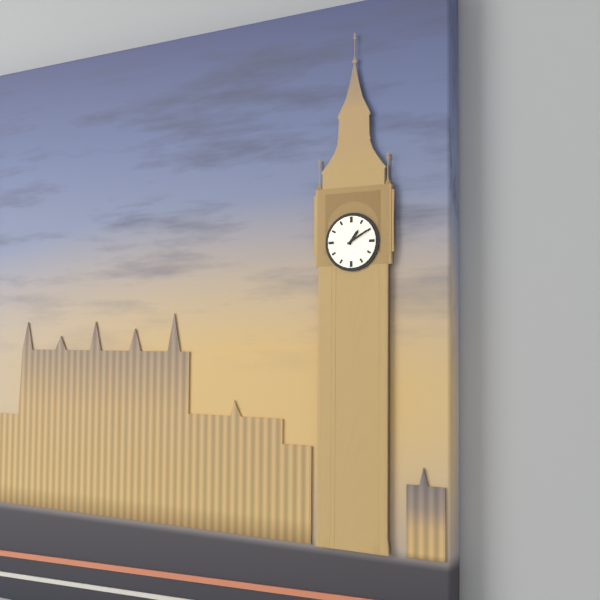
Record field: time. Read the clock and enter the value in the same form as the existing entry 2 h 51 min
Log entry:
1 h 10 min
